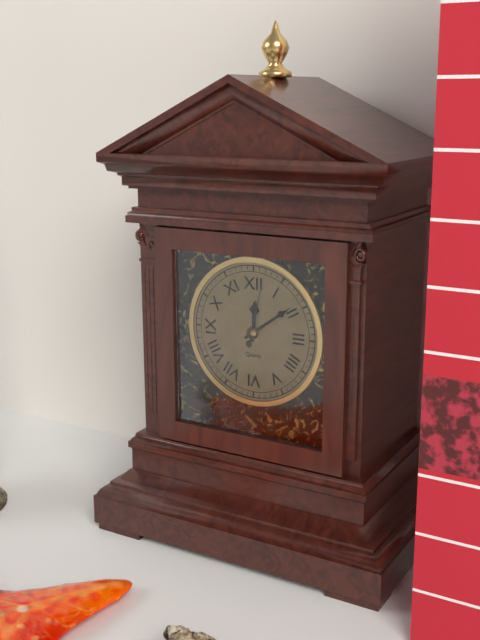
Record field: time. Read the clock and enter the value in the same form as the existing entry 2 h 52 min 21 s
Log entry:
12 h 09 min 02 s
